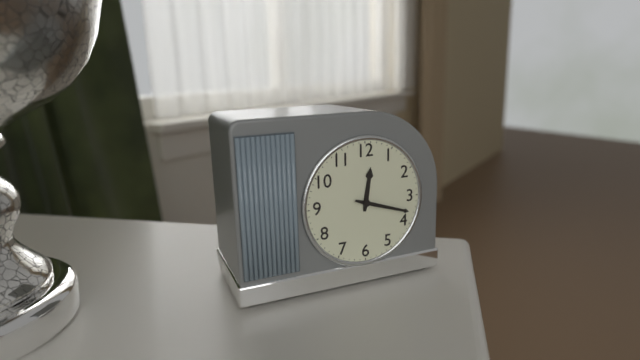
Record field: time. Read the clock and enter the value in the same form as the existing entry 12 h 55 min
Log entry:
12 h 18 min
